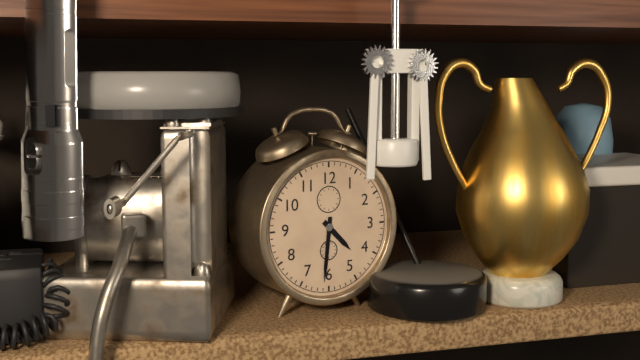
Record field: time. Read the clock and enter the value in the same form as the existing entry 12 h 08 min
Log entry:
4 h 31 min
